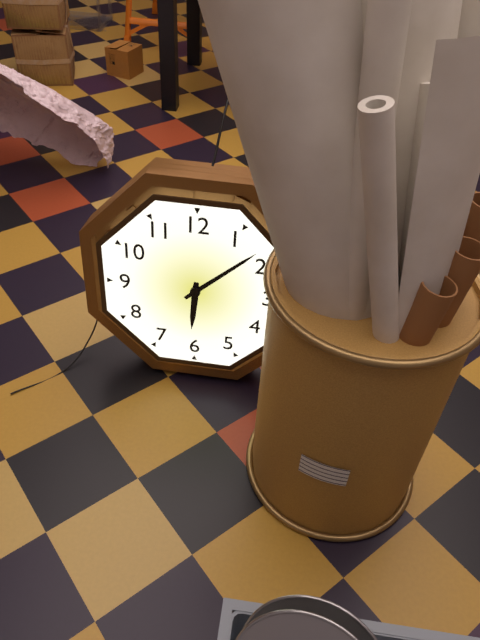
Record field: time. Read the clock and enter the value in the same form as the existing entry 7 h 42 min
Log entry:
6 h 08 min
